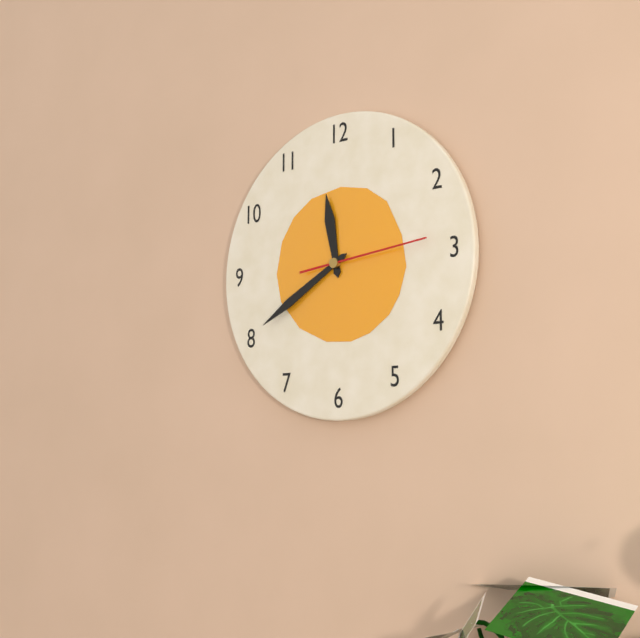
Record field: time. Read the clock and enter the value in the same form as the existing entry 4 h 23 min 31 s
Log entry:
11 h 40 min 14 s
